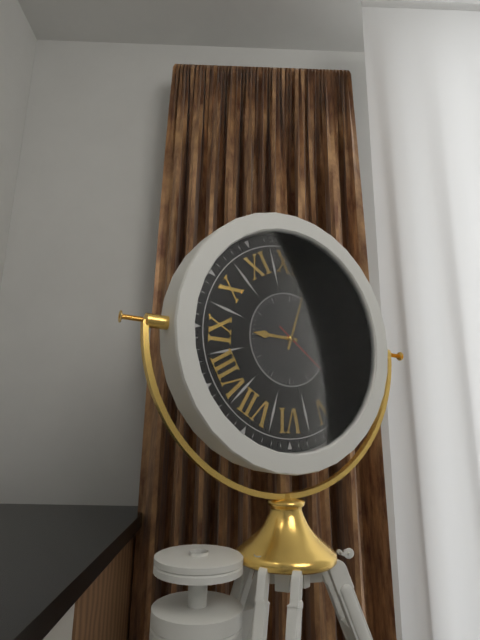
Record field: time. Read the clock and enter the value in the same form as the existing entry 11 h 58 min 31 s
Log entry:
9 h 03 min 21 s
